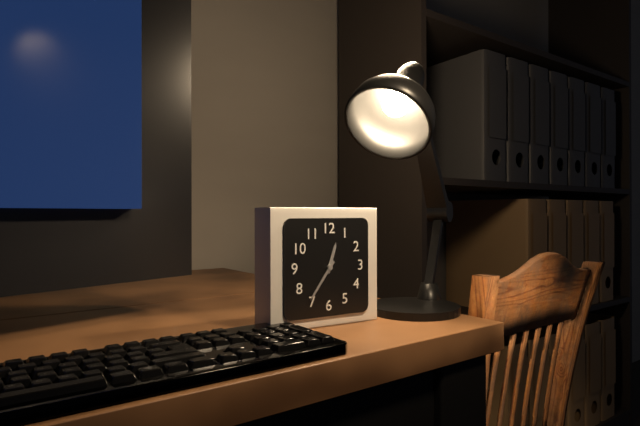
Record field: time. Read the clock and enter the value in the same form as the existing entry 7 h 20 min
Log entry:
12 h 36 min
